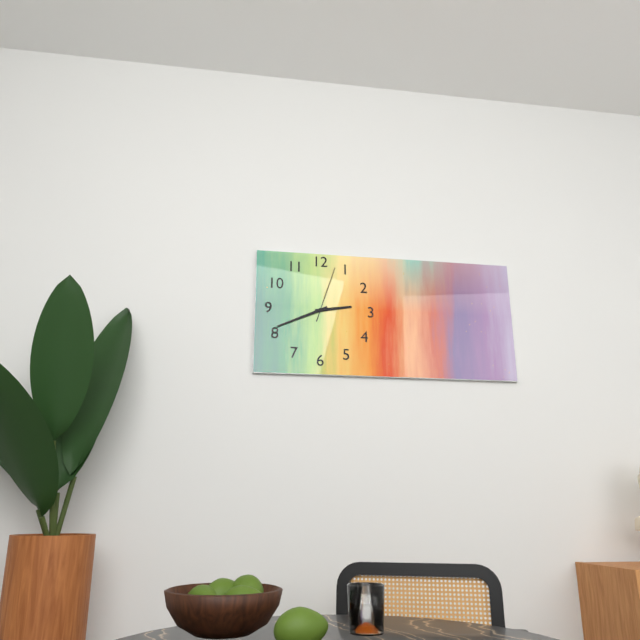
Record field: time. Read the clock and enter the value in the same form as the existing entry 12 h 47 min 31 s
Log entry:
2 h 41 min 03 s
